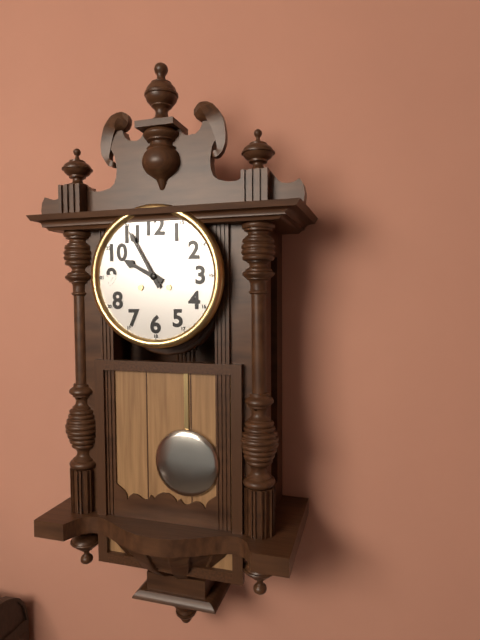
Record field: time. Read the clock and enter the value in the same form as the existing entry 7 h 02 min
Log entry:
9 h 55 min
